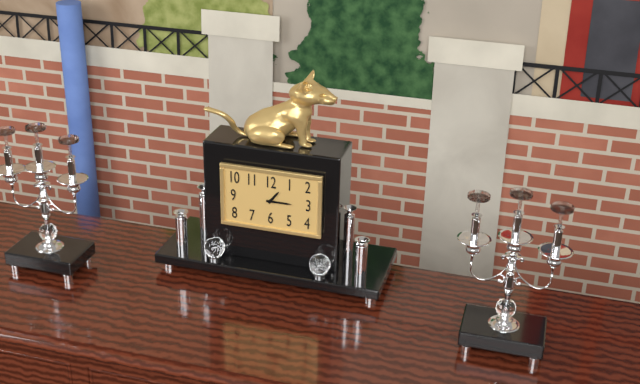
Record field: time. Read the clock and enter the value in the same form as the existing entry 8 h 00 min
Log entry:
1 h 15 min
